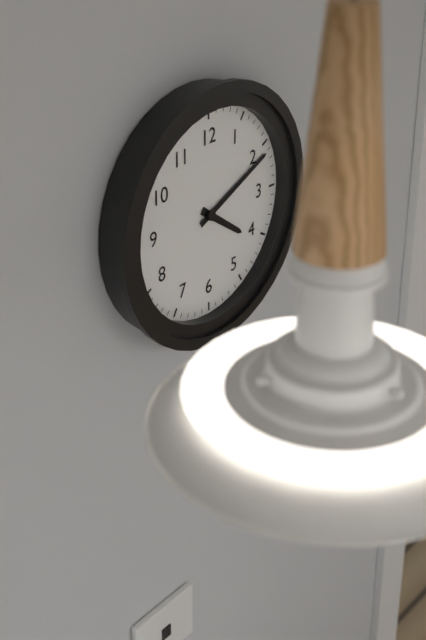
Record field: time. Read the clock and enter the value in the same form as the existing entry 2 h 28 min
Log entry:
4 h 11 min
